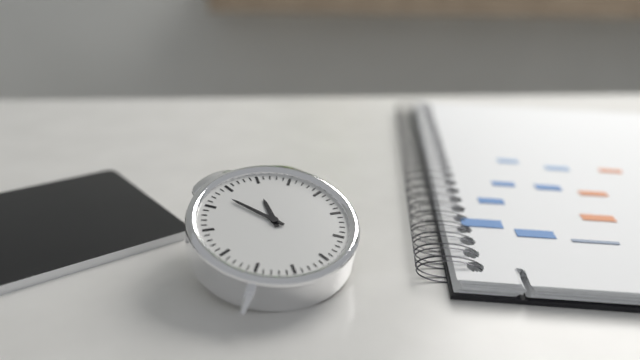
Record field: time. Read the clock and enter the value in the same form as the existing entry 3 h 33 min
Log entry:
11 h 53 min
